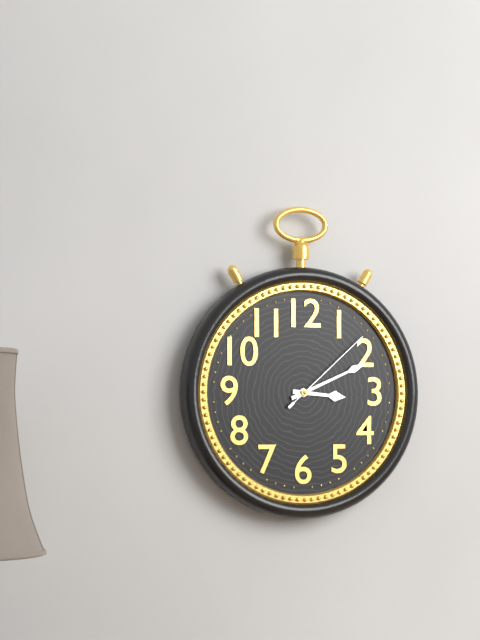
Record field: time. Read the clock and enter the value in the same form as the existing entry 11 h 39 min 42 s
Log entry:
3 h 11 min 08 s
